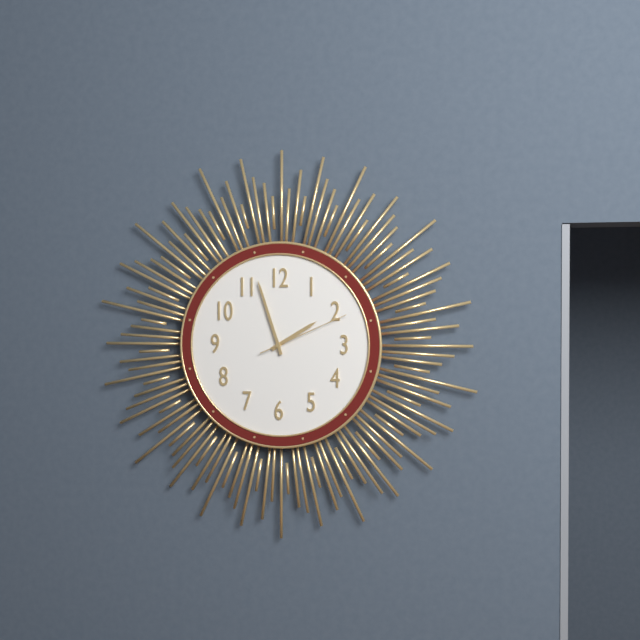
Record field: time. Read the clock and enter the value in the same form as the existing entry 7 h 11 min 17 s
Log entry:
1 h 57 min 11 s
